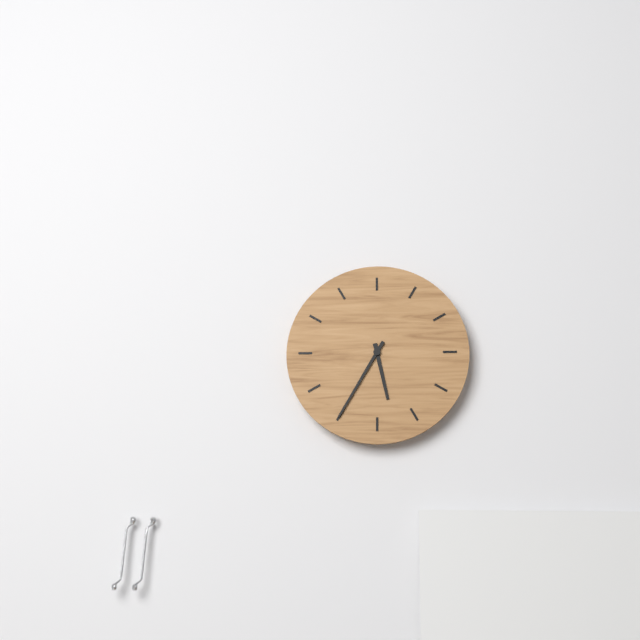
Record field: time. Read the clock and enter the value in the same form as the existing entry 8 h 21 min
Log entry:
5 h 35 min
